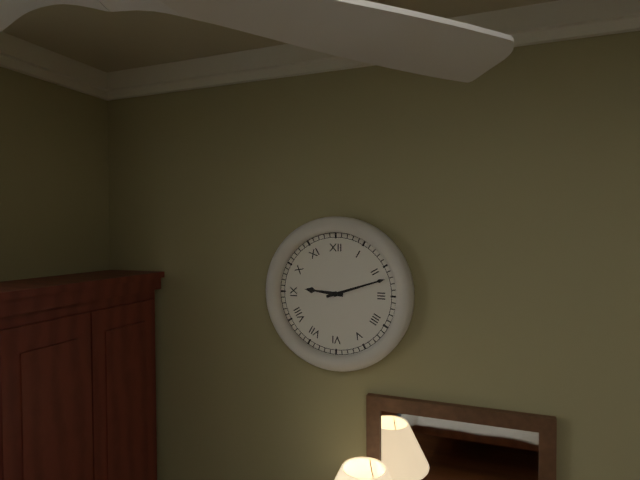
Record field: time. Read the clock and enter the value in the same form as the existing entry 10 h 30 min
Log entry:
9 h 12 min
